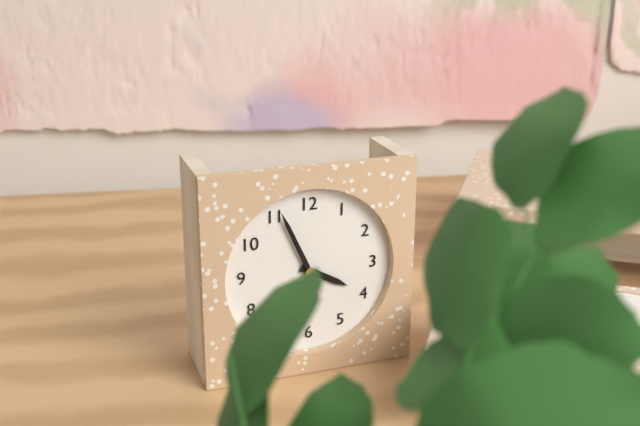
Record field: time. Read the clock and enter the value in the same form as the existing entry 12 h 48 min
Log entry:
3 h 56 min
